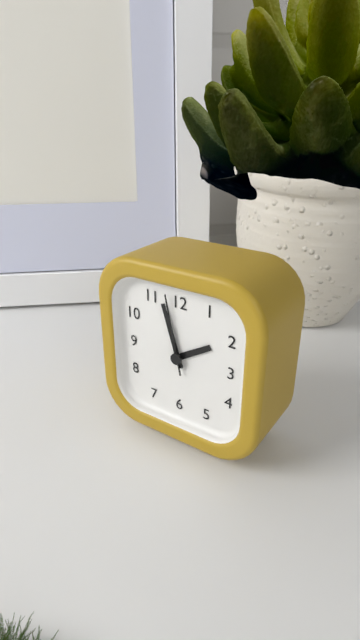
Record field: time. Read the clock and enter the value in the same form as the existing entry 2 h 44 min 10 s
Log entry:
1 h 57 min 58 s
